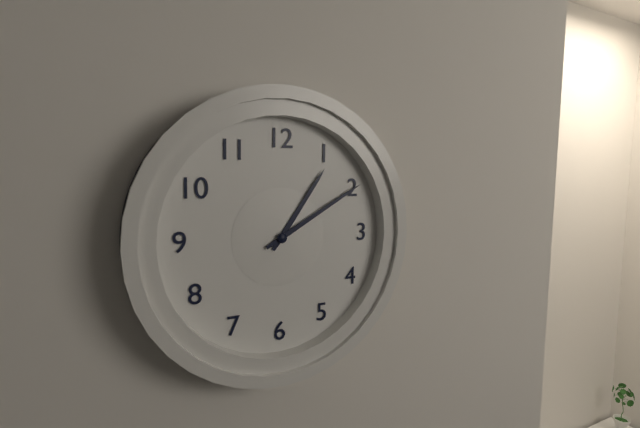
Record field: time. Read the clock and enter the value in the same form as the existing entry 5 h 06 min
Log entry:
1 h 10 min
